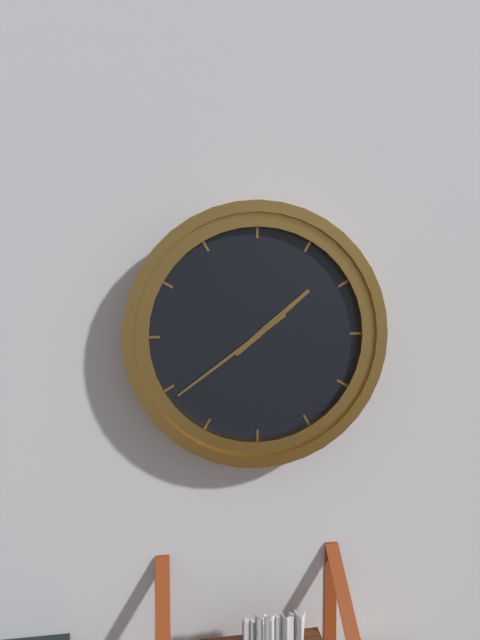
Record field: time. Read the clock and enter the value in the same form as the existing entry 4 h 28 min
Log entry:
1 h 39 min
